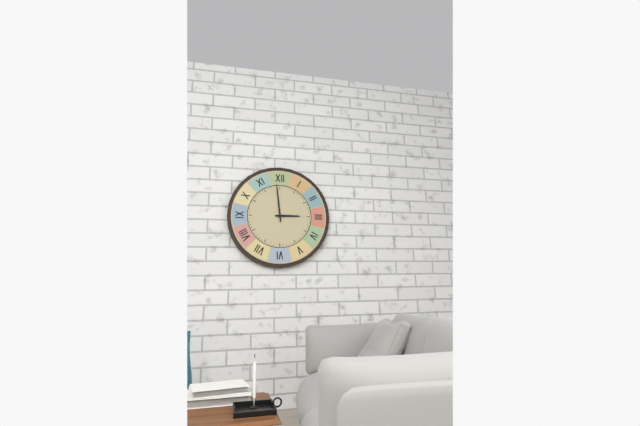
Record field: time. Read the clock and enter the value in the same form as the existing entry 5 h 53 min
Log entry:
2 h 59 min
